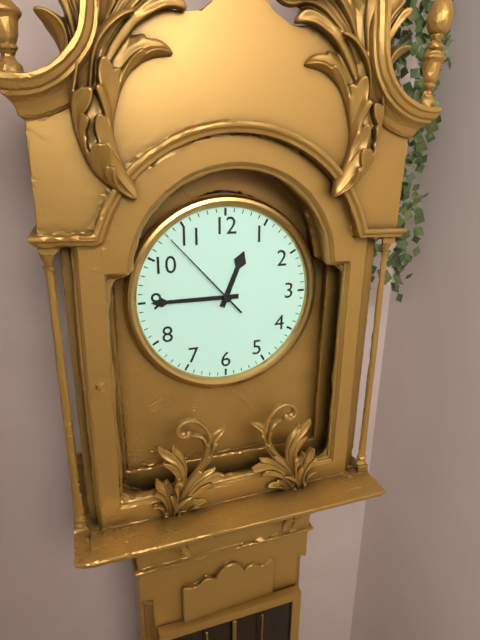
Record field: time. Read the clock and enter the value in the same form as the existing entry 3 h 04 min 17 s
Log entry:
12 h 45 min 53 s
